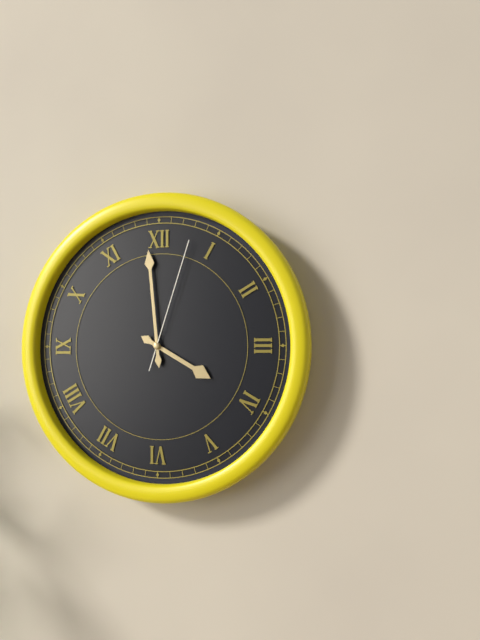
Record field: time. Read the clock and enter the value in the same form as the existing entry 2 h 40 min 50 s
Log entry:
3 h 59 min 03 s
